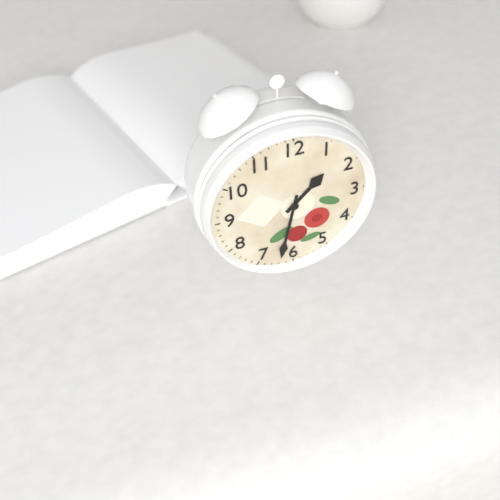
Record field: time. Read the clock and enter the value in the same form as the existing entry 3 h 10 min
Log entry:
1 h 32 min
